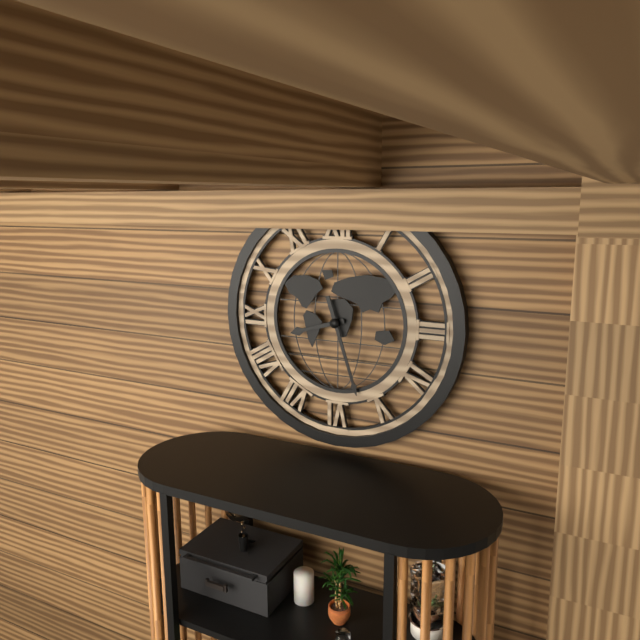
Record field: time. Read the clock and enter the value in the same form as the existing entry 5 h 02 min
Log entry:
8 h 27 min
